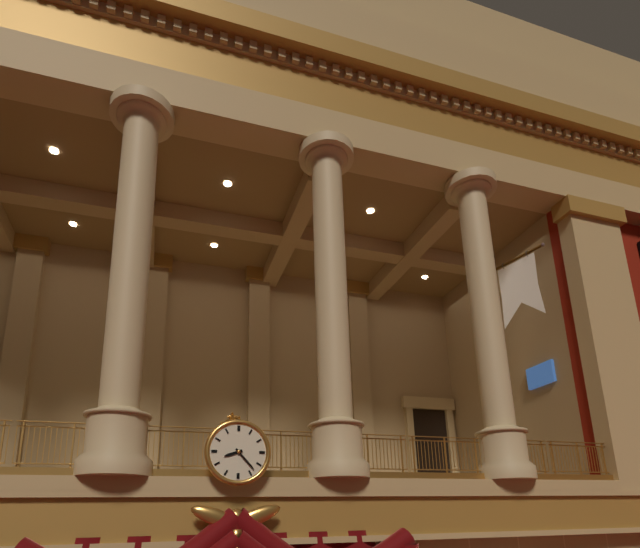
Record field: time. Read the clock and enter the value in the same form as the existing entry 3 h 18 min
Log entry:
8 h 23 min
